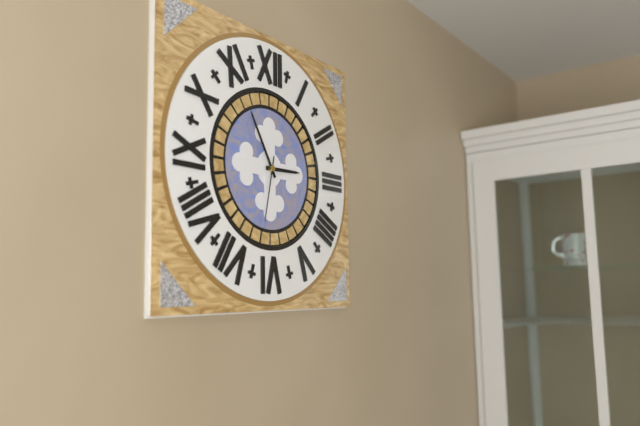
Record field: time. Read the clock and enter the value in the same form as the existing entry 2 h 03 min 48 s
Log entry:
2 h 55 min 32 s
